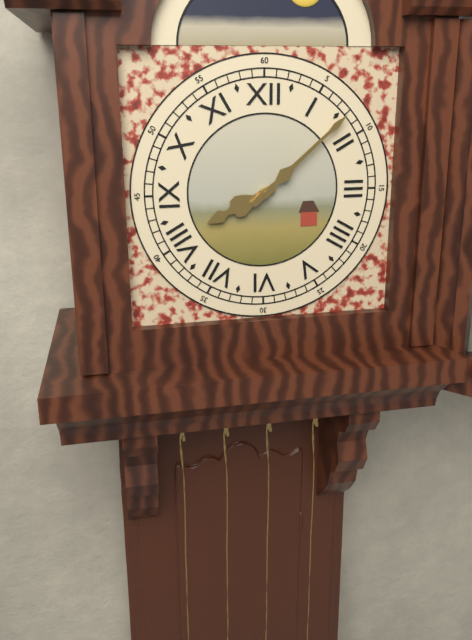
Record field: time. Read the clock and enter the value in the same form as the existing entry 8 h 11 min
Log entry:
8 h 08 min
